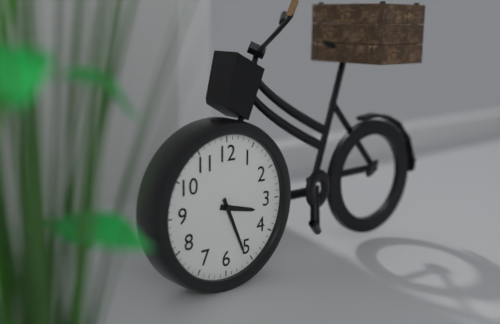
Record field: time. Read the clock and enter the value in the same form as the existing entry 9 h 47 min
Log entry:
3 h 26 min
